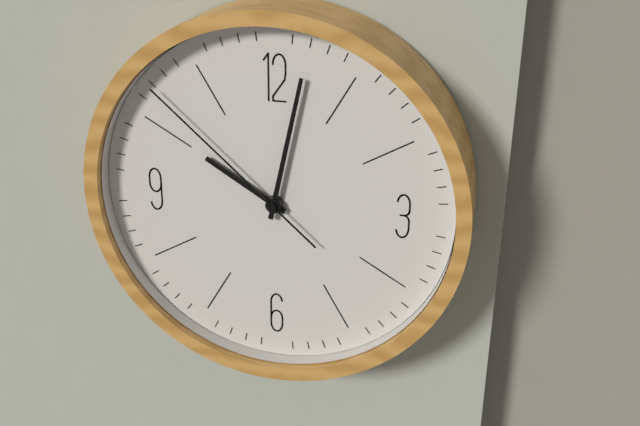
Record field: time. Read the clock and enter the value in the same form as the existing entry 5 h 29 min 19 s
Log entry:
10 h 02 min 52 s
